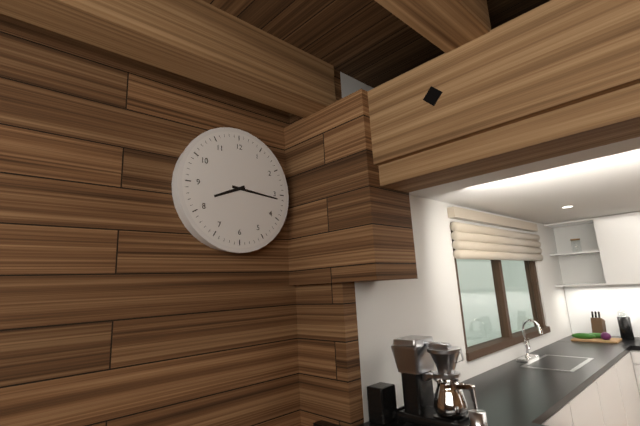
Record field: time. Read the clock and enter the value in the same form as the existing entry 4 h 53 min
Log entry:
8 h 16 min
